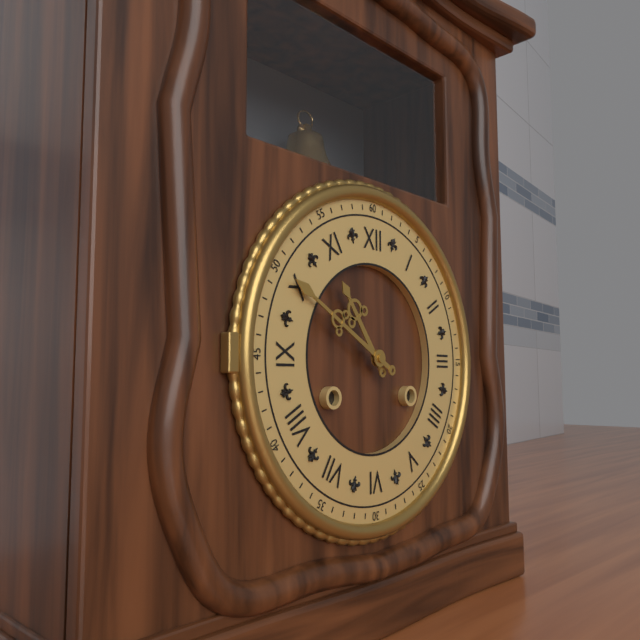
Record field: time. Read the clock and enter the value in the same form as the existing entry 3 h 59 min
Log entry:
10 h 50 min
